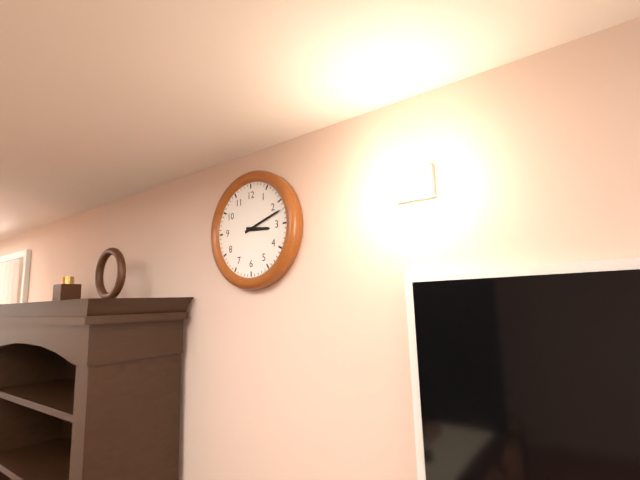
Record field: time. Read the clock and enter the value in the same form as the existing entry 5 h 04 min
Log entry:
3 h 12 min
